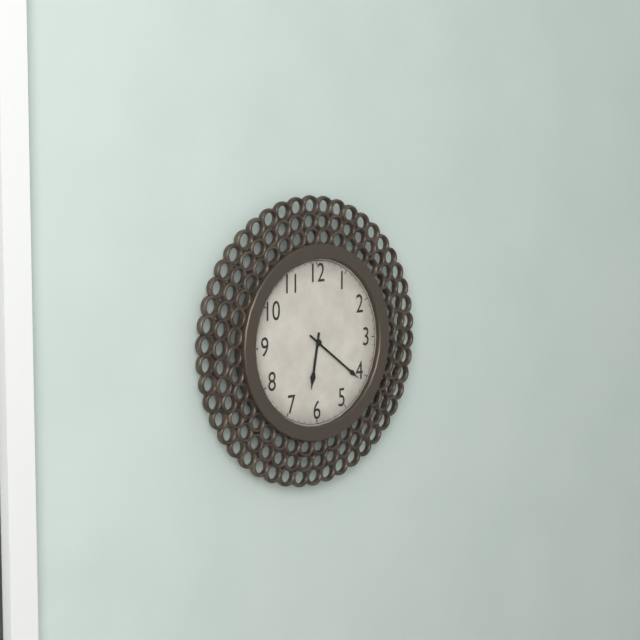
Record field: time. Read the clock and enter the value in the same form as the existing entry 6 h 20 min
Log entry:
6 h 21 min
